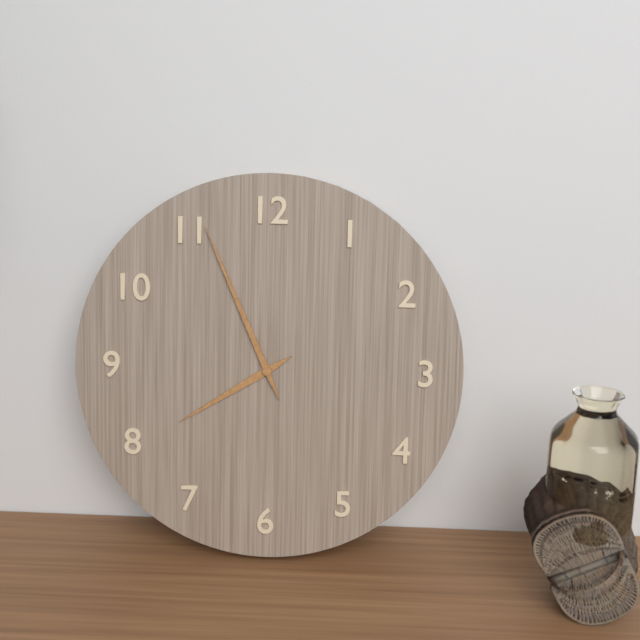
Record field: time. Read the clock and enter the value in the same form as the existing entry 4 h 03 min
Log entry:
7 h 56 min
